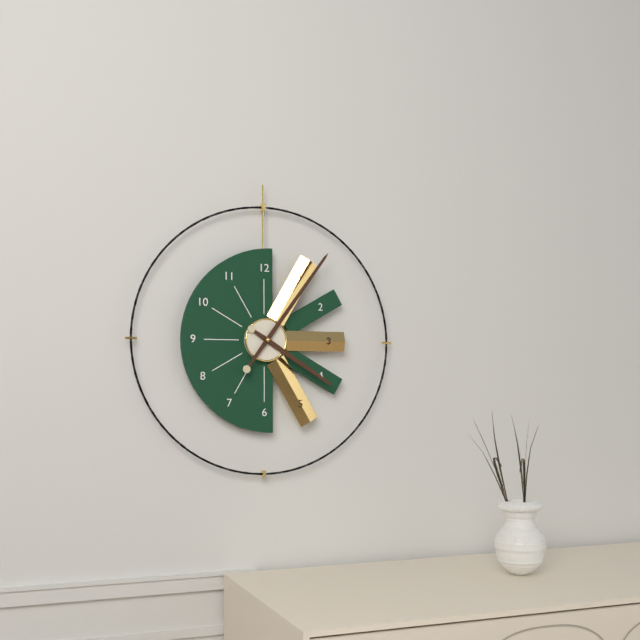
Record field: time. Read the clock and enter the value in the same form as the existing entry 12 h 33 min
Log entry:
4 h 06 min
